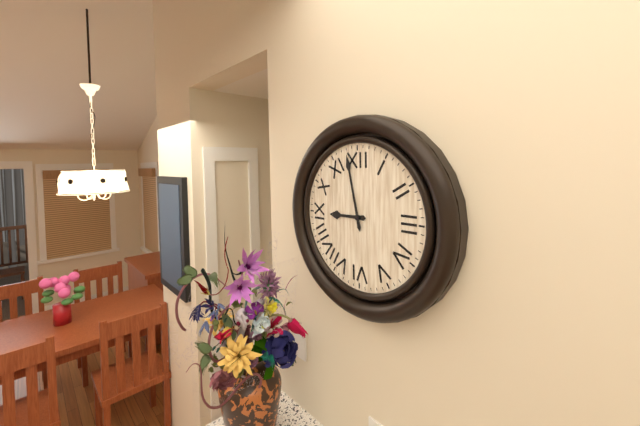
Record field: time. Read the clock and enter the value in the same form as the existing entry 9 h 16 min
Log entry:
8 h 58 min
